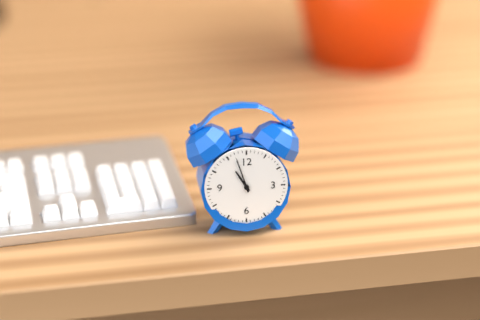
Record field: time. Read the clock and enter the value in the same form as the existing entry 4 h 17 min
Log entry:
10 h 57 min
